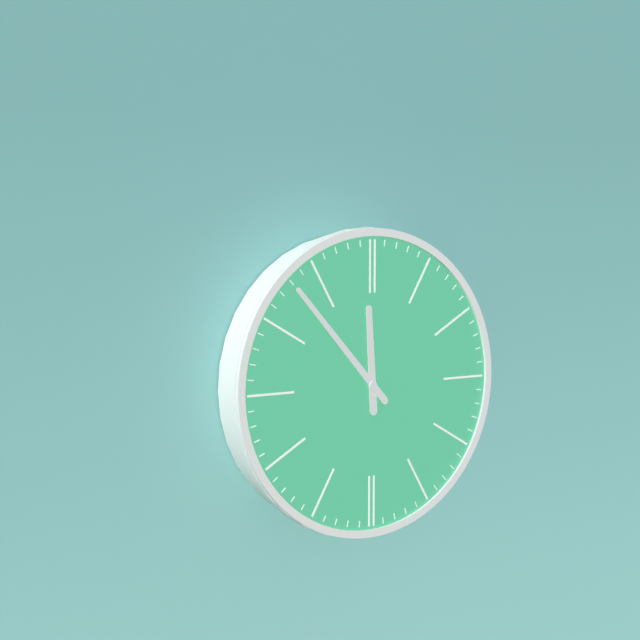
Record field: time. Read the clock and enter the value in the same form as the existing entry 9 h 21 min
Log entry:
11 h 53 min
